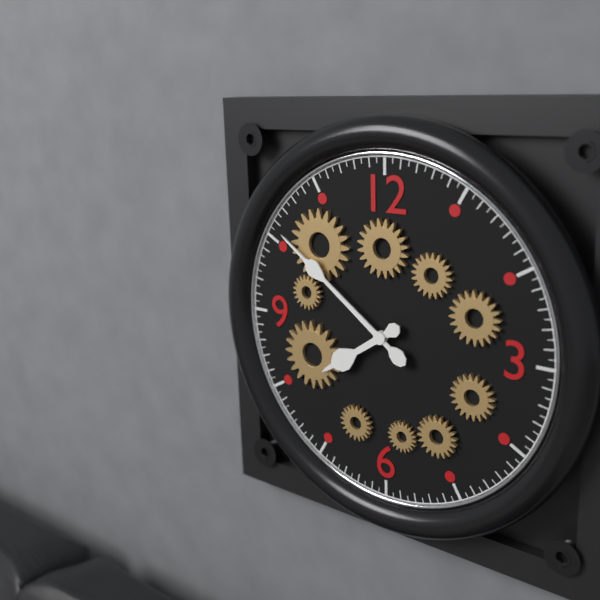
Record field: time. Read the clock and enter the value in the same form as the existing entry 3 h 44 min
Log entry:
7 h 51 min
